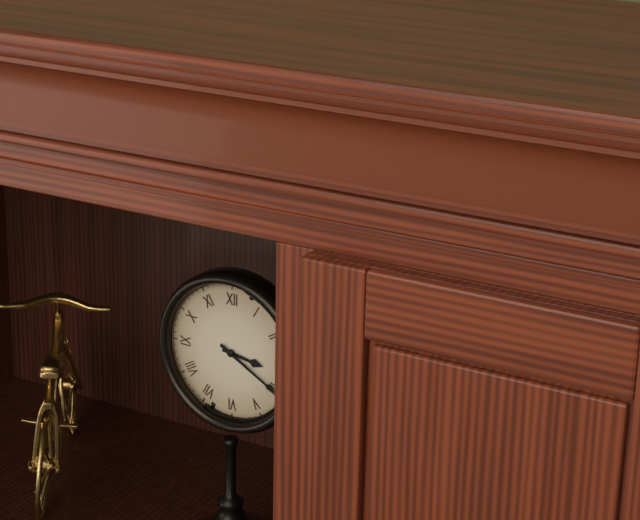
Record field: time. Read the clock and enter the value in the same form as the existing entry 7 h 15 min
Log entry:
3 h 20 min
